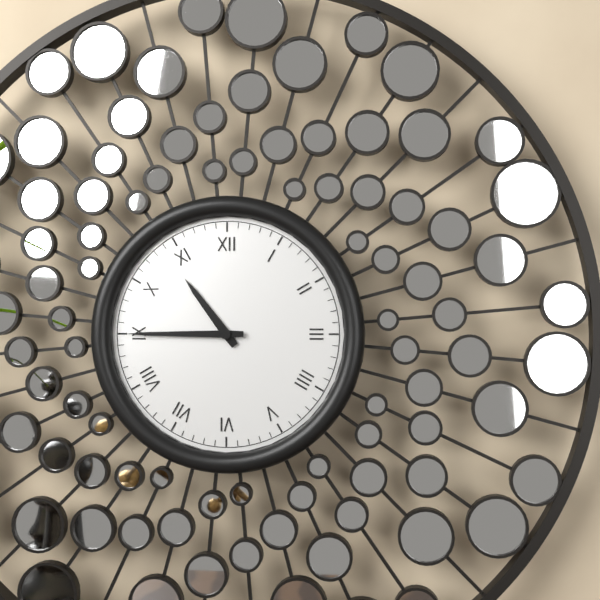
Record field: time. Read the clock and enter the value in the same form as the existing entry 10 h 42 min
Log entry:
10 h 45 min
